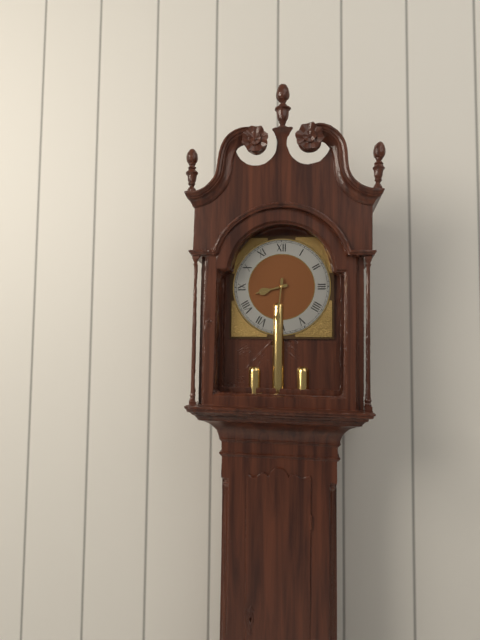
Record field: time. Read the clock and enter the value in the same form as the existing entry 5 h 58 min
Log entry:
8 h 31 min
